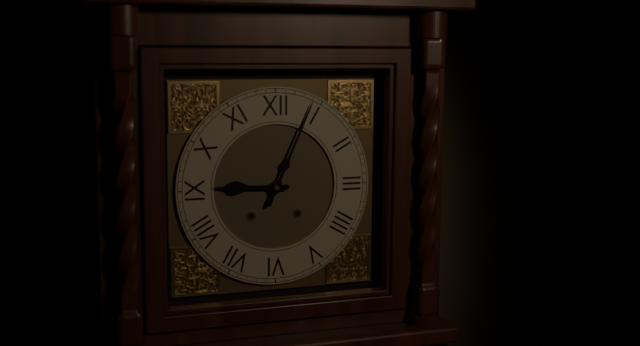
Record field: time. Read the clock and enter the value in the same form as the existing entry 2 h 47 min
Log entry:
9 h 04 min
